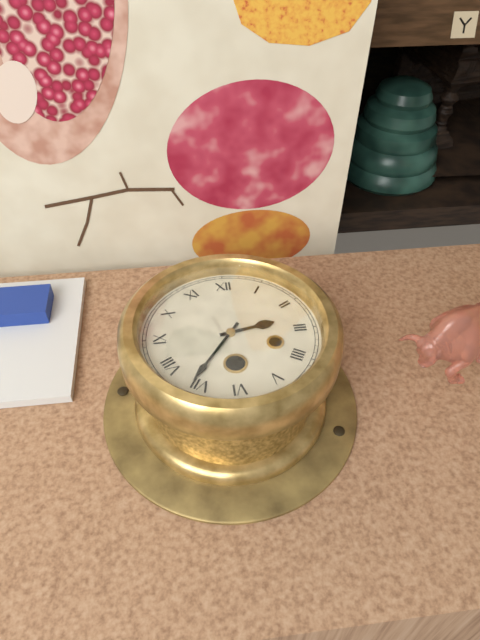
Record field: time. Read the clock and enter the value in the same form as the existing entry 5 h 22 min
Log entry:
2 h 36 min
